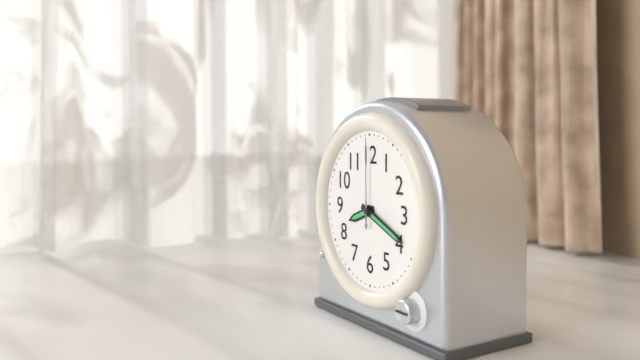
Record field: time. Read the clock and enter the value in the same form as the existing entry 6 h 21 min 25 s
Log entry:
8 h 19 min 00 s
